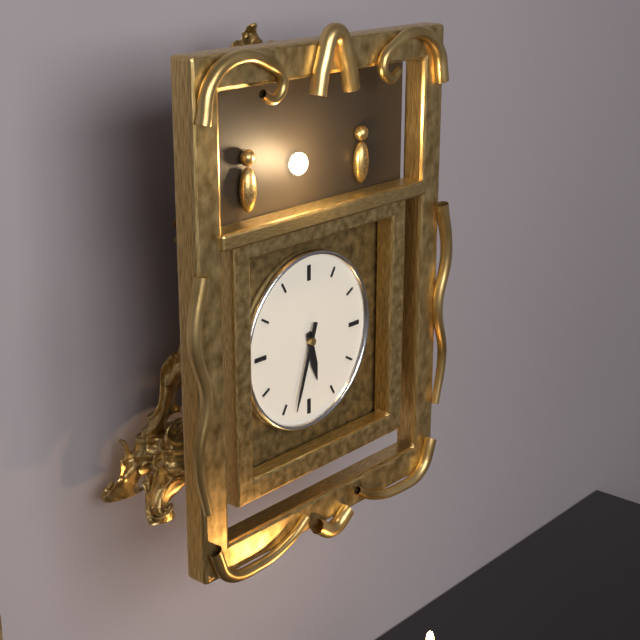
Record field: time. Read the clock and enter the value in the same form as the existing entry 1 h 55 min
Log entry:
5 h 33 min
